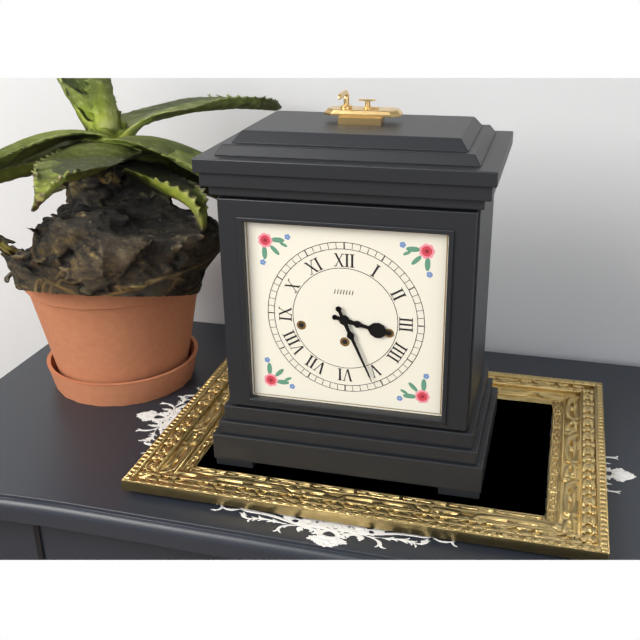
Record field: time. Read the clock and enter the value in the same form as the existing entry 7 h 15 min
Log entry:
3 h 26 min
